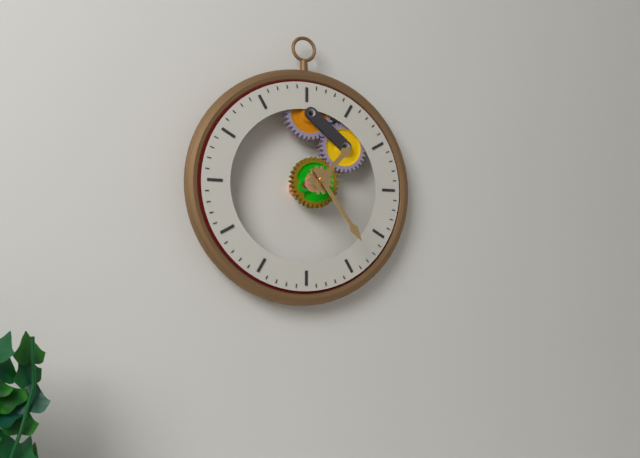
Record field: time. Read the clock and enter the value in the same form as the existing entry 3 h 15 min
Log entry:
1 h 24 min
